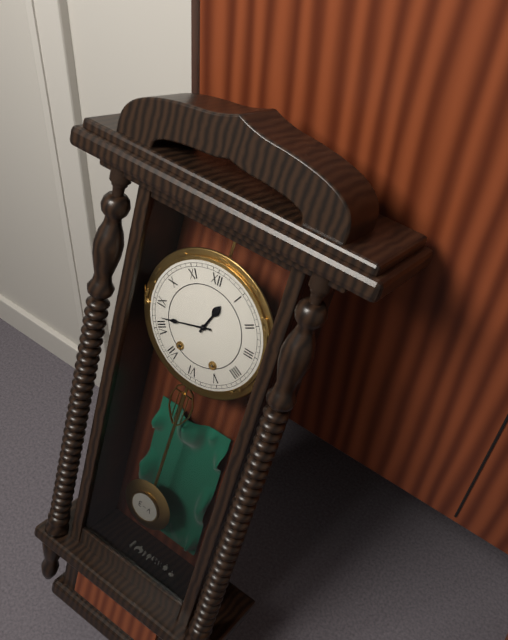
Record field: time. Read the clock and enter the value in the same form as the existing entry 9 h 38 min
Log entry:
12 h 42 min
